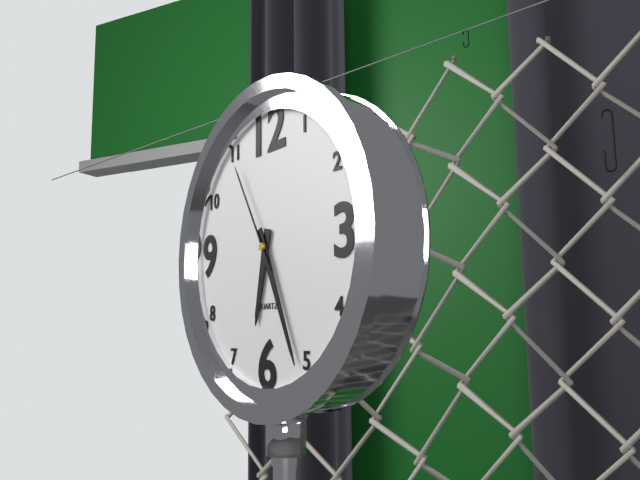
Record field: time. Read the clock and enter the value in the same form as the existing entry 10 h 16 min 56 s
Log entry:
6 h 26 min 55 s
